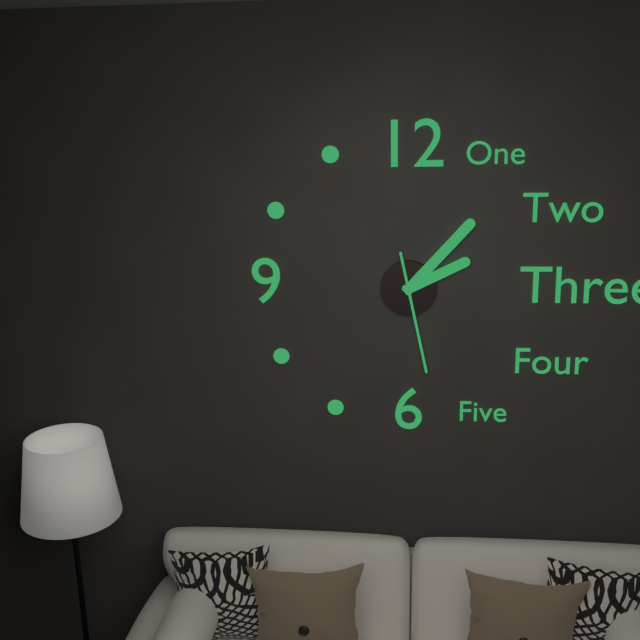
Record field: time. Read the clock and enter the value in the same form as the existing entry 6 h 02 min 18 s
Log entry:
2 h 07 min 28 s
